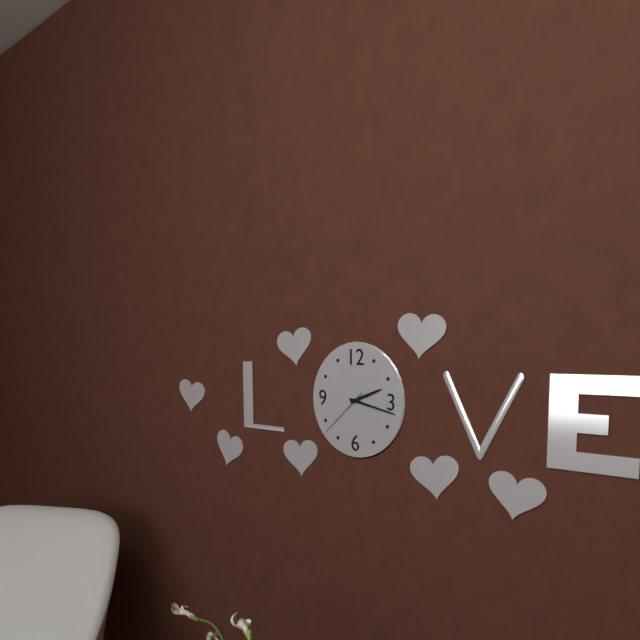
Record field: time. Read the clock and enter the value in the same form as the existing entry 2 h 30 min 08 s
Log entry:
2 h 17 min 38 s
